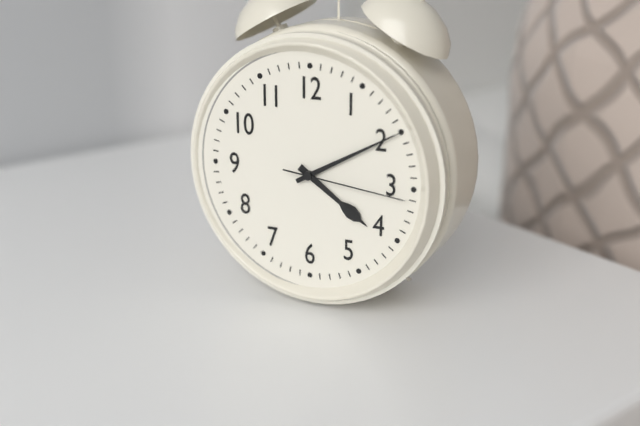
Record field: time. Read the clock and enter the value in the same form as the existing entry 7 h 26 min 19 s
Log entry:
4 h 10 min 16 s
